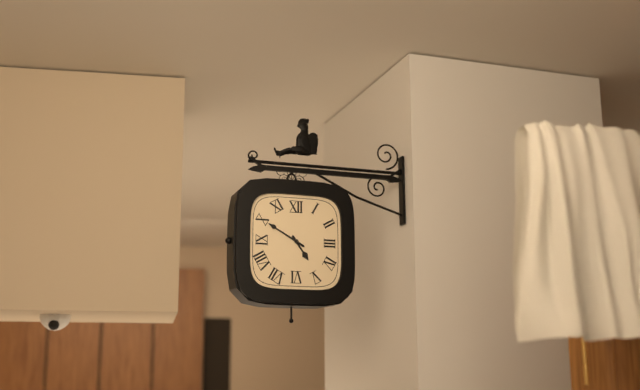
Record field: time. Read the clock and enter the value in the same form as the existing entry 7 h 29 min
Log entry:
4 h 50 min
